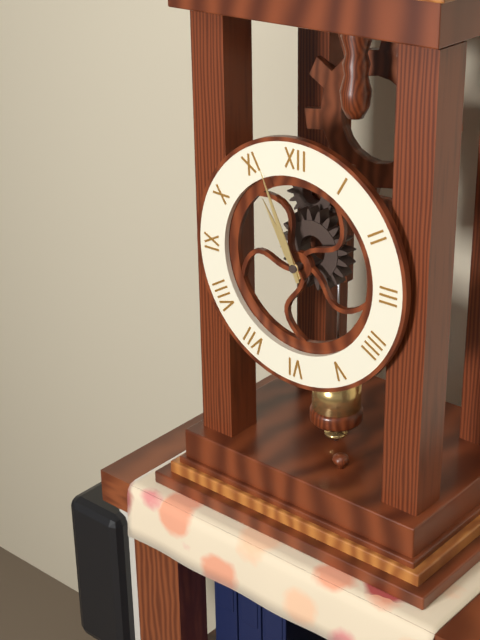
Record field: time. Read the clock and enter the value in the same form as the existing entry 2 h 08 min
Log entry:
10 h 56 min
